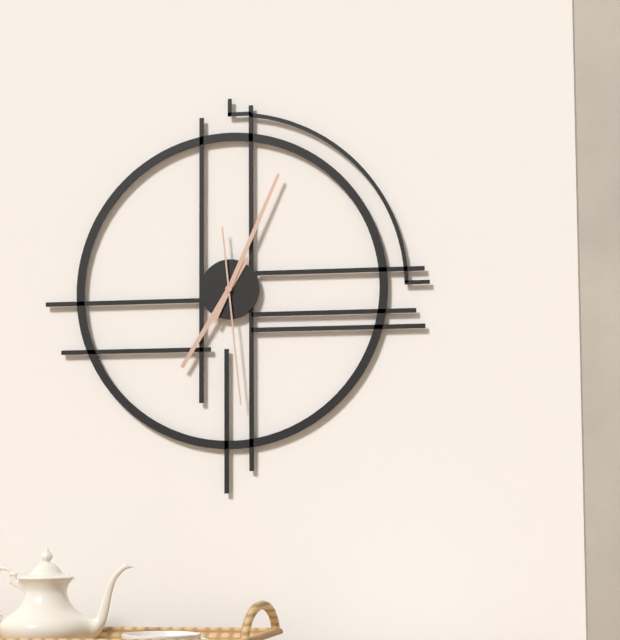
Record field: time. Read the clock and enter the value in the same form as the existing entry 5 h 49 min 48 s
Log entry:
7 h 04 min 29 s
